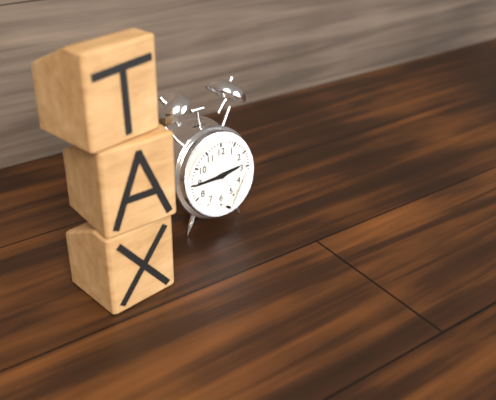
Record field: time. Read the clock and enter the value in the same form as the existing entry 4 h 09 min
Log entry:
2 h 45 min
